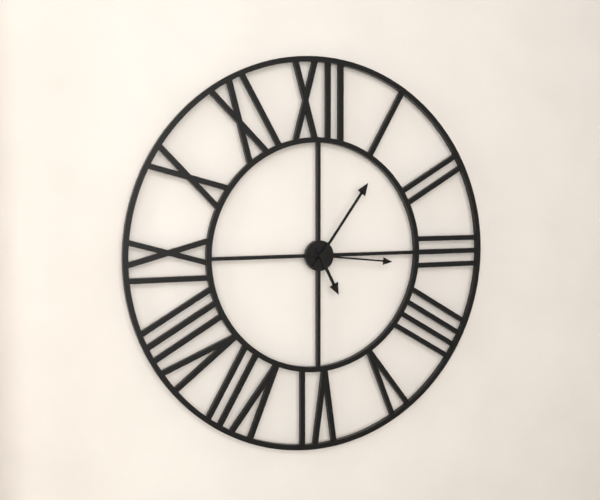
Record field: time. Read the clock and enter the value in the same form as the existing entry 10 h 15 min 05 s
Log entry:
5 h 06 min 16 s
